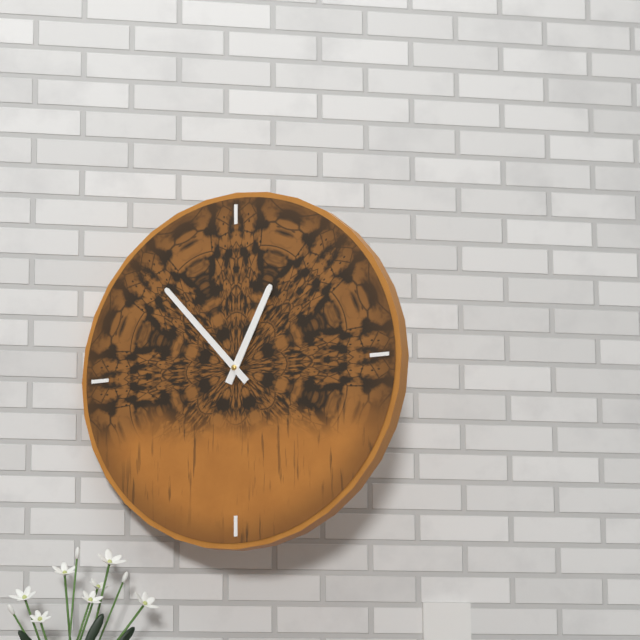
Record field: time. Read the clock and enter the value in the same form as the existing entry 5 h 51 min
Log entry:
12 h 53 min
